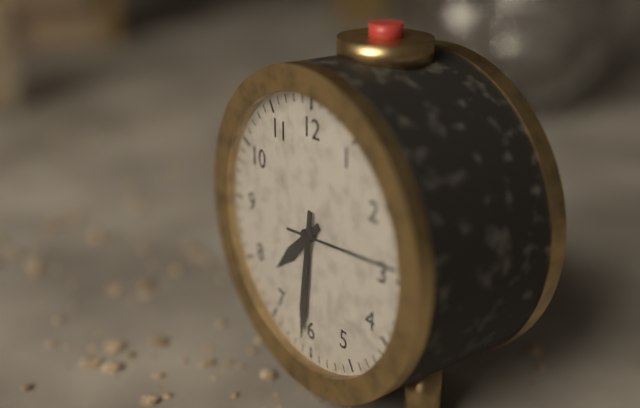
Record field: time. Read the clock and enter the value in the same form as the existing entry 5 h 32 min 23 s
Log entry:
7 h 31 min 14 s
